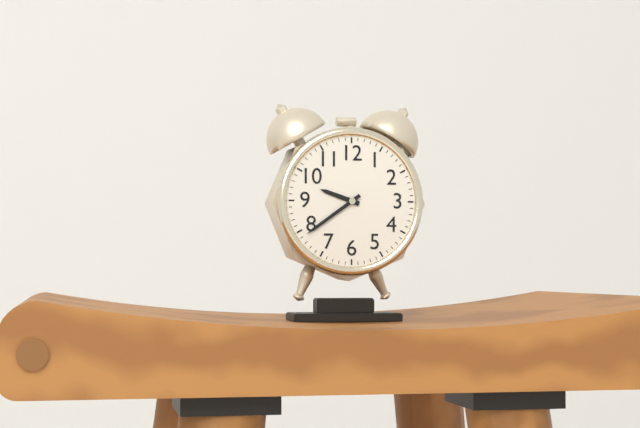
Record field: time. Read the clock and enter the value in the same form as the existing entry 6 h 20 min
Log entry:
9 h 39 min
